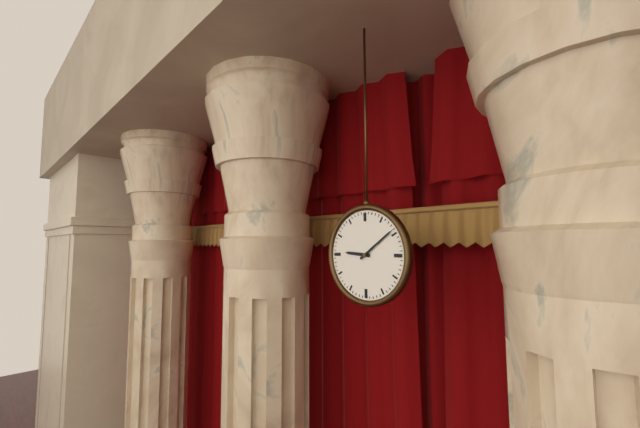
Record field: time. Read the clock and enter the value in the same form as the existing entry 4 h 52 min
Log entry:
9 h 09 min
